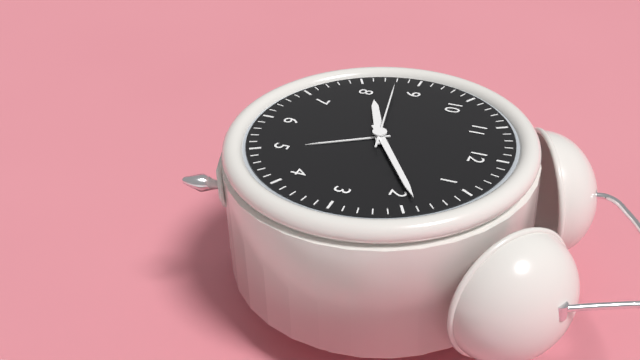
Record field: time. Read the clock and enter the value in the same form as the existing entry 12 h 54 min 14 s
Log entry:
8 h 09 min 43 s
